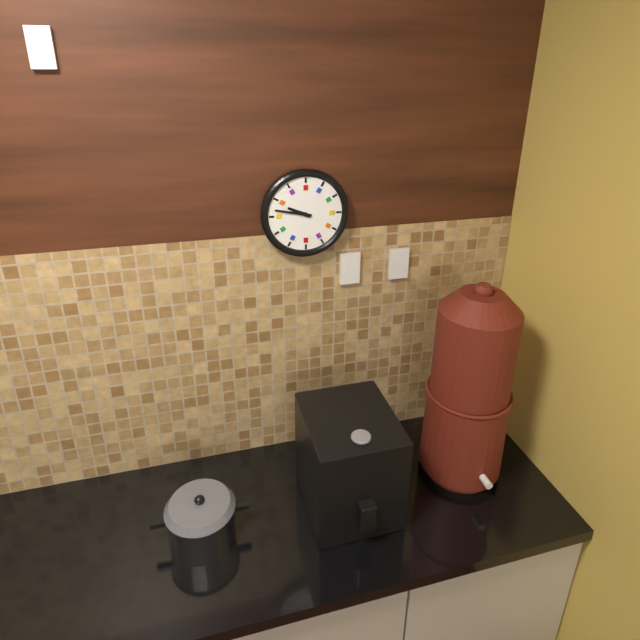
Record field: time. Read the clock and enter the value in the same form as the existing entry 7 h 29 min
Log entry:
9 h 47 min
